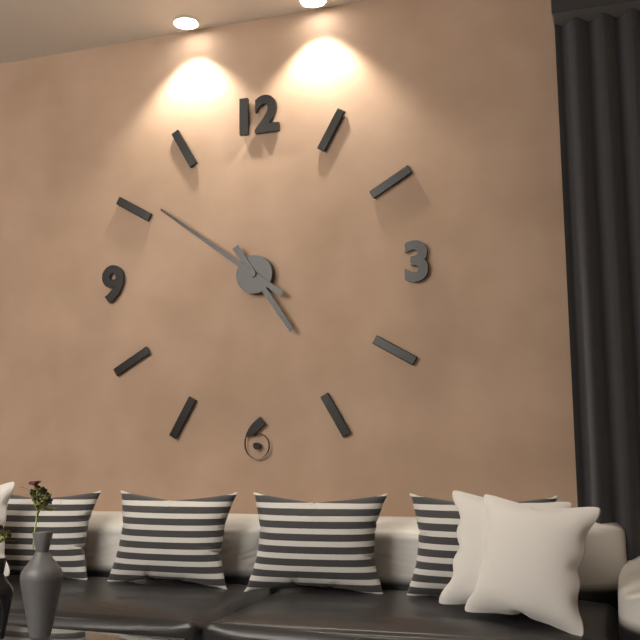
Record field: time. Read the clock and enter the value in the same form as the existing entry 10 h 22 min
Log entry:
4 h 51 min
